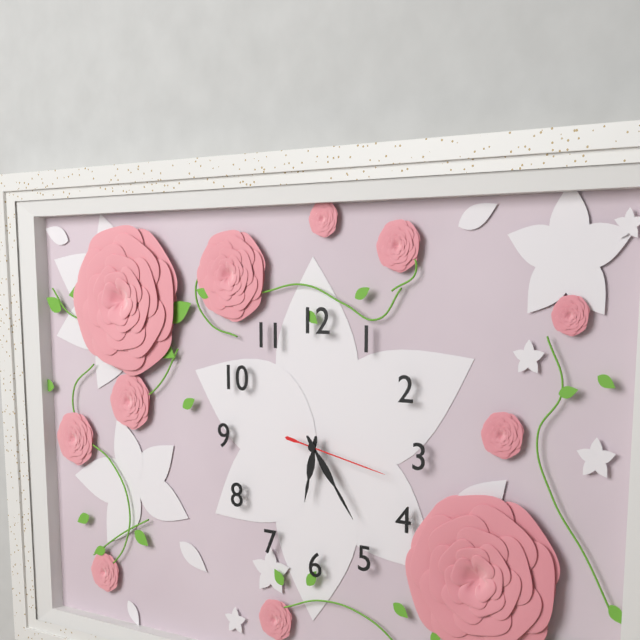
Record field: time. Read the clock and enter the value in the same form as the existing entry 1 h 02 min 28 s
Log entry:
6 h 24 min 17 s
